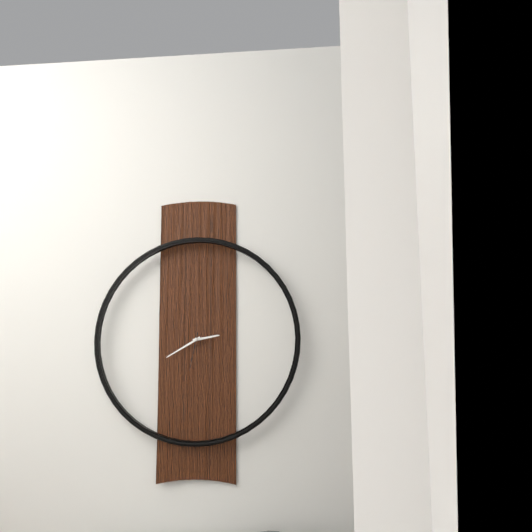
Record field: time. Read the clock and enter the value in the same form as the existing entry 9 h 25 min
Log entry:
2 h 40 min
